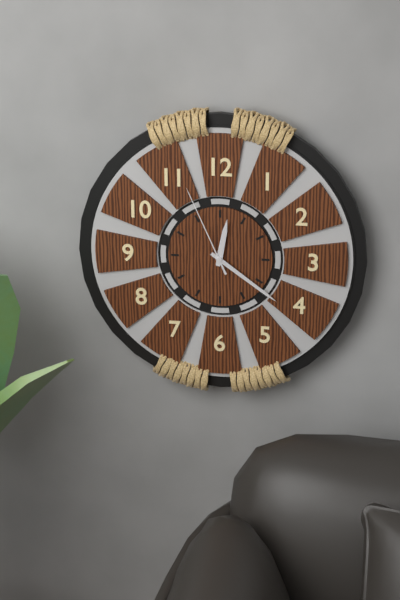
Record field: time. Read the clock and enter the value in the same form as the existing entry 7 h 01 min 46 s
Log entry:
12 h 21 min 56 s
